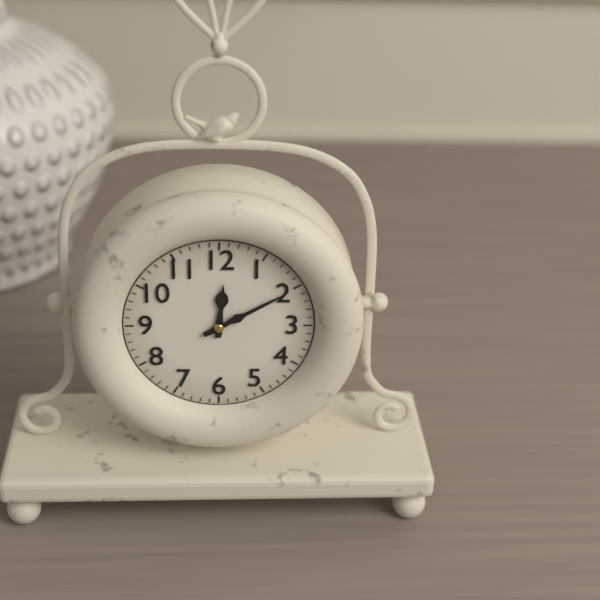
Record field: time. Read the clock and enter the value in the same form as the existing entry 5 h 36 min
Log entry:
12 h 10 min
